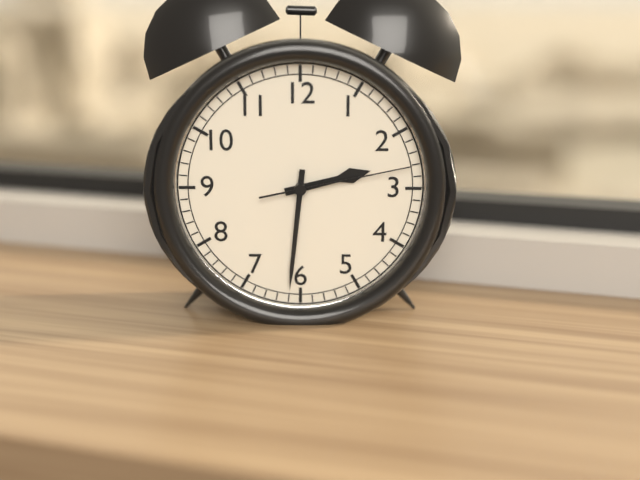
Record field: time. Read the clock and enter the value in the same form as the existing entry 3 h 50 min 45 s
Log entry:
2 h 31 min 13 s
